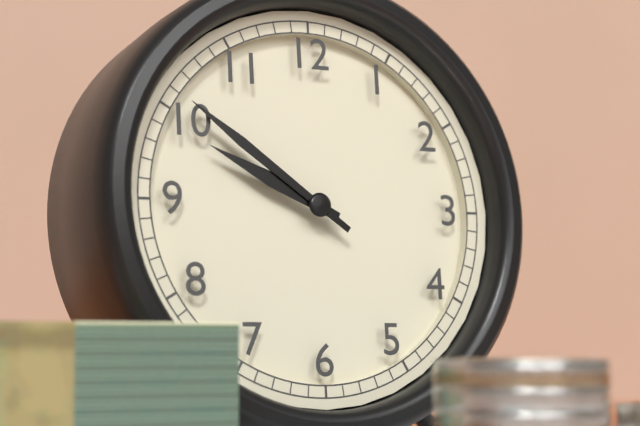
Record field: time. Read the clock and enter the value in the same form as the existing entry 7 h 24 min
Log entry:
9 h 51 min
